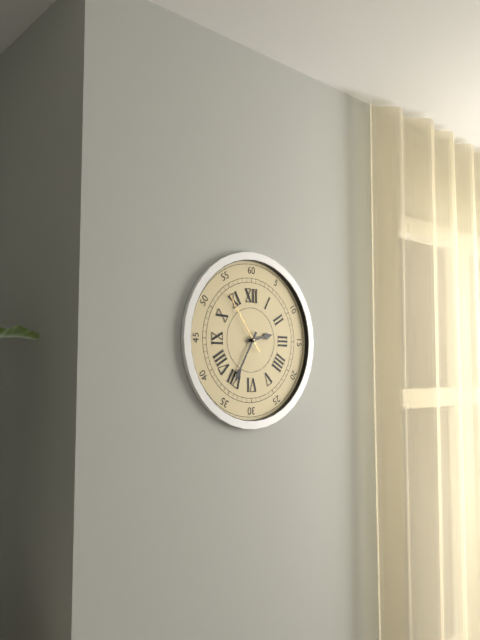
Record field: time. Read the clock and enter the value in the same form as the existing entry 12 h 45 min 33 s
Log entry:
2 h 35 min 54 s
